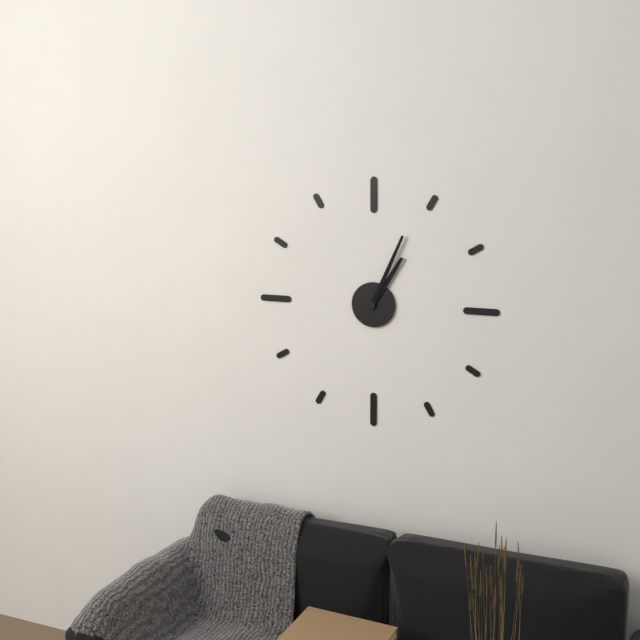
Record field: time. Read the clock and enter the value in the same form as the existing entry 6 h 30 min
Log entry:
1 h 04 min
